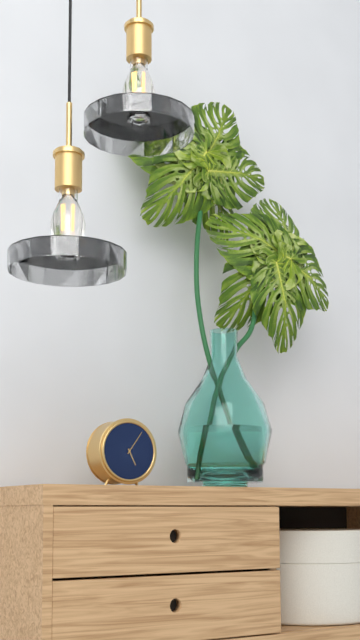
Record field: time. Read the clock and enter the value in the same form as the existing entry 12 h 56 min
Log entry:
5 h 06 min
